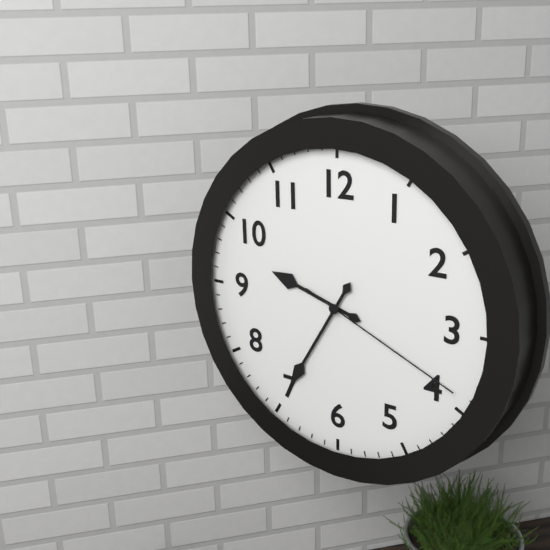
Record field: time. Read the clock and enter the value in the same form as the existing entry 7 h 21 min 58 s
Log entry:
9 h 35 min 19 s
